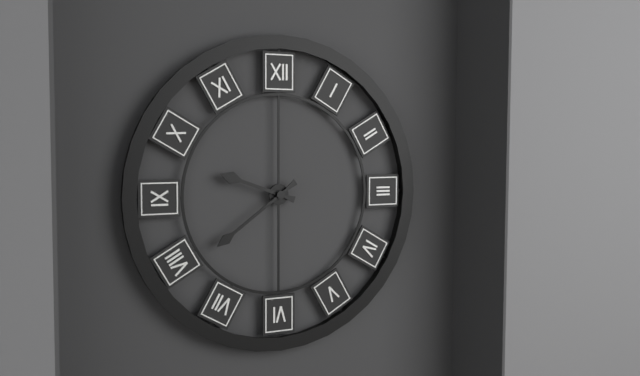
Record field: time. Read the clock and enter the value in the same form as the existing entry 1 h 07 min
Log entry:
9 h 39 min
